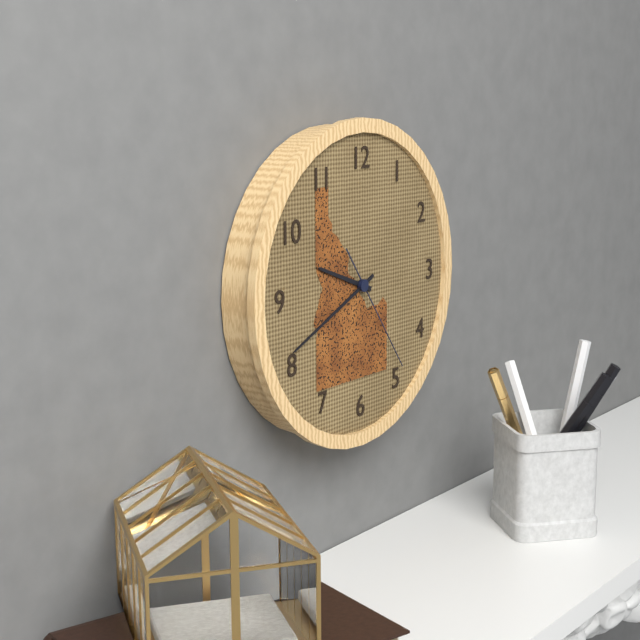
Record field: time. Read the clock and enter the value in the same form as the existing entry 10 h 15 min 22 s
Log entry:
9 h 41 min 24 s
